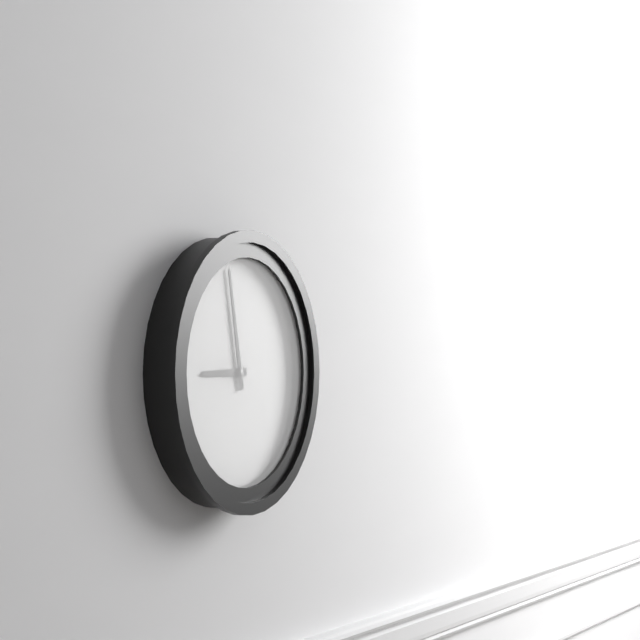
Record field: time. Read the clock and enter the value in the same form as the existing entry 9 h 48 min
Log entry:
8 h 58 min
